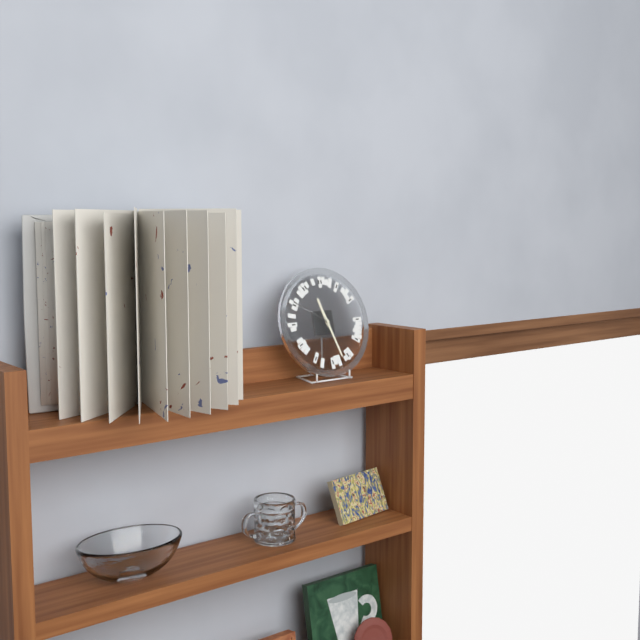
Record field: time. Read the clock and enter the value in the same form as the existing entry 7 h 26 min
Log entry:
11 h 27 min
